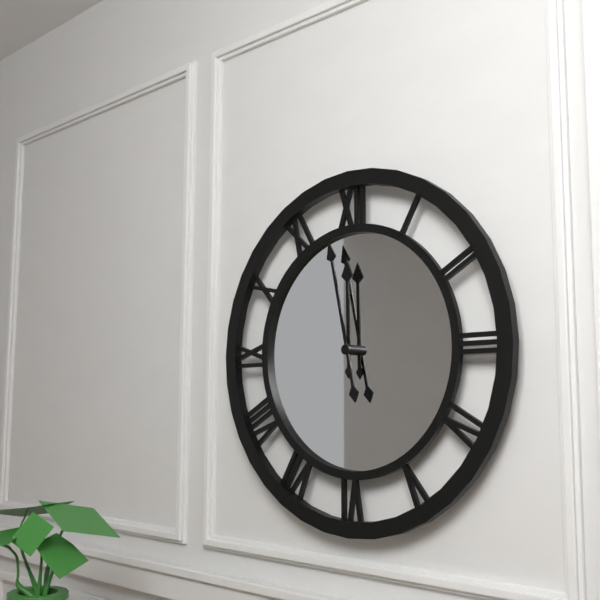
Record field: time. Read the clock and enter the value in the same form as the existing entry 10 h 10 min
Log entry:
11 h 58 min
